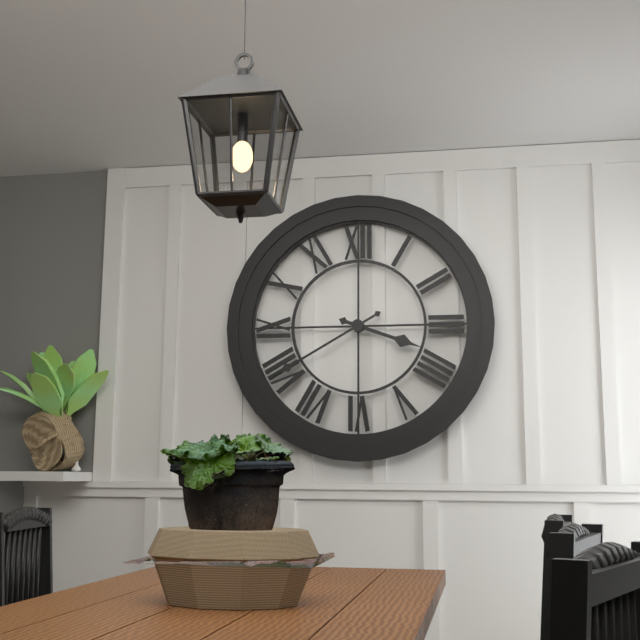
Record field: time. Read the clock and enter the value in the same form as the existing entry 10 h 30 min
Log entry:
3 h 40 min
